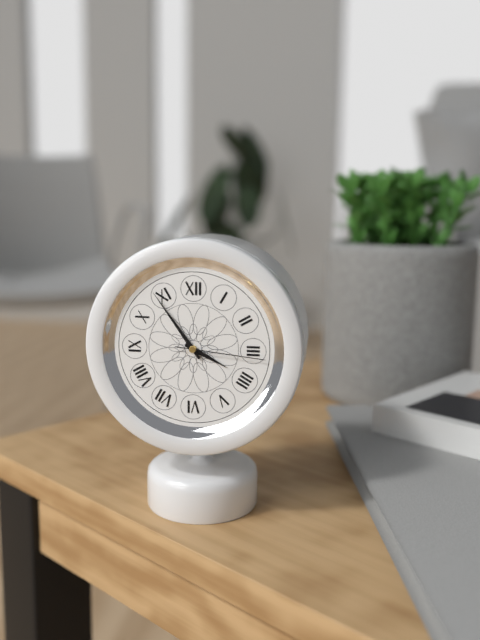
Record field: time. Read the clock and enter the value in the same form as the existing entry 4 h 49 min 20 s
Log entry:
3 h 54 min 16 s
